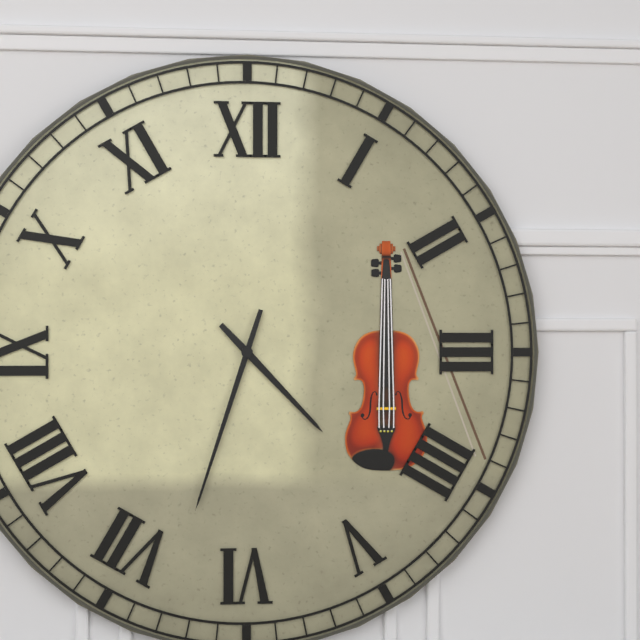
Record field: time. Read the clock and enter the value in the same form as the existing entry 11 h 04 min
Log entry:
4 h 33 min
